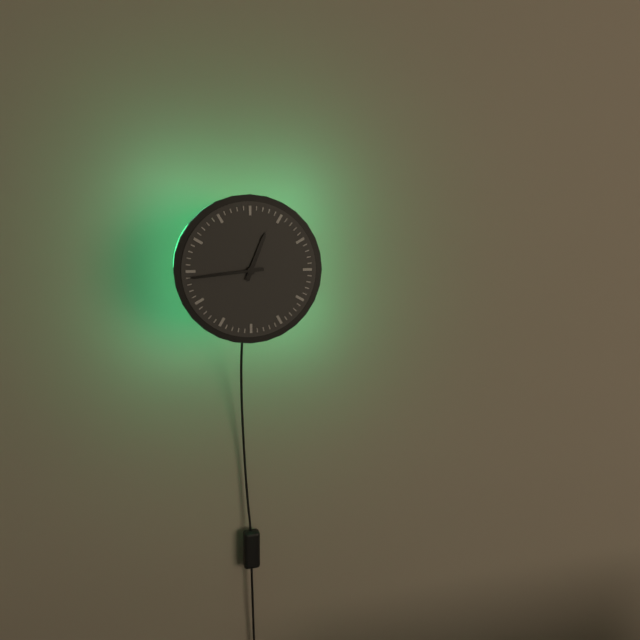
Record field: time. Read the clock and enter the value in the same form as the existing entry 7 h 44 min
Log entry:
12 h 44 min
